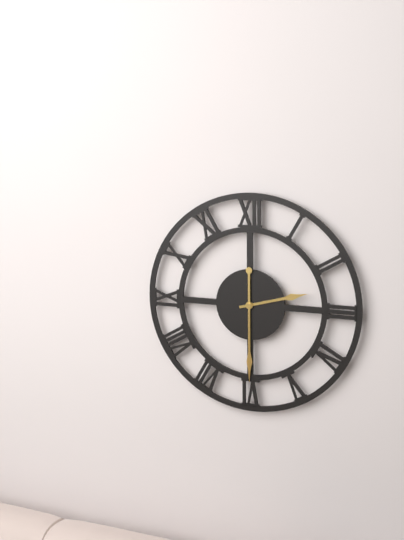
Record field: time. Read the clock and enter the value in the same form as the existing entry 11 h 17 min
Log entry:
2 h 30 min
